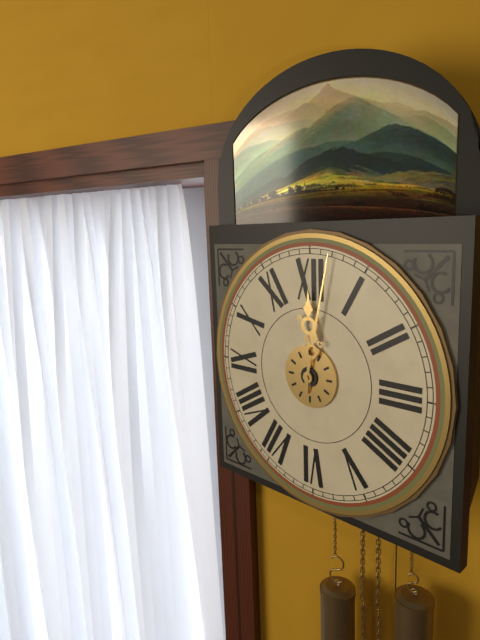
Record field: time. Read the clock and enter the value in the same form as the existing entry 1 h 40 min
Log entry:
12 h 02 min
